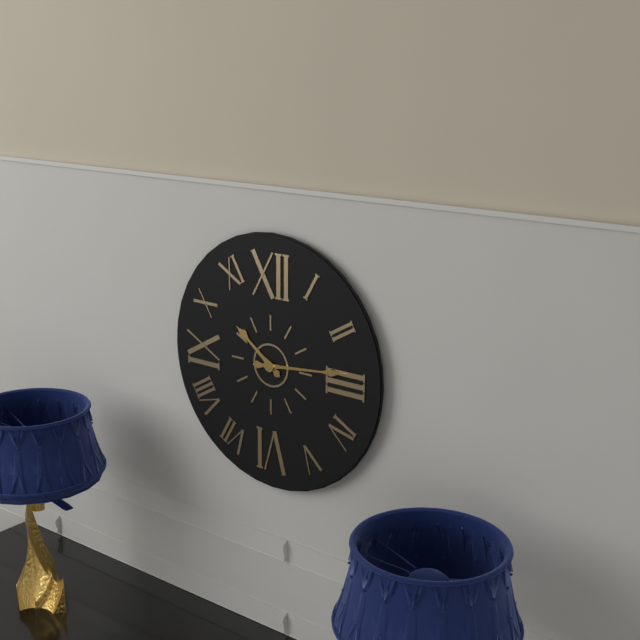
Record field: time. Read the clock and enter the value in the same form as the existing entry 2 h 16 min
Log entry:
10 h 14 min
